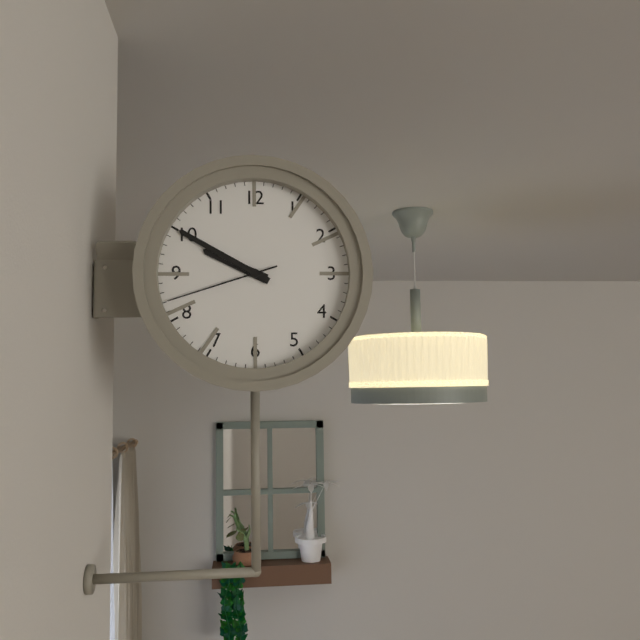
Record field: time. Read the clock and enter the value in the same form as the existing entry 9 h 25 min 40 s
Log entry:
9 h 50 min 42 s
